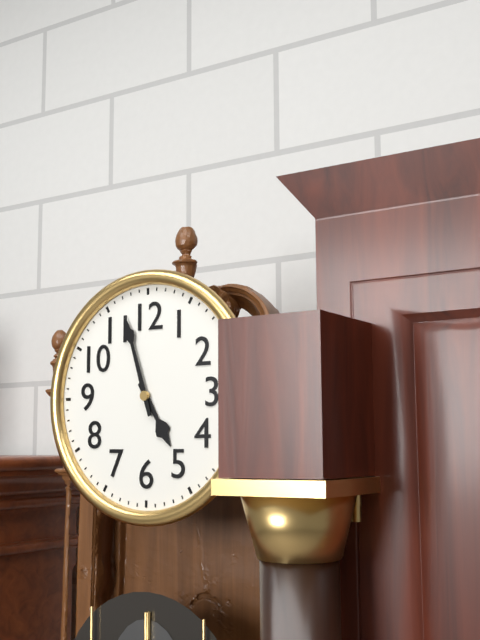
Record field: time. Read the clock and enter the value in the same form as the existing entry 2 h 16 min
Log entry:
4 h 57 min
